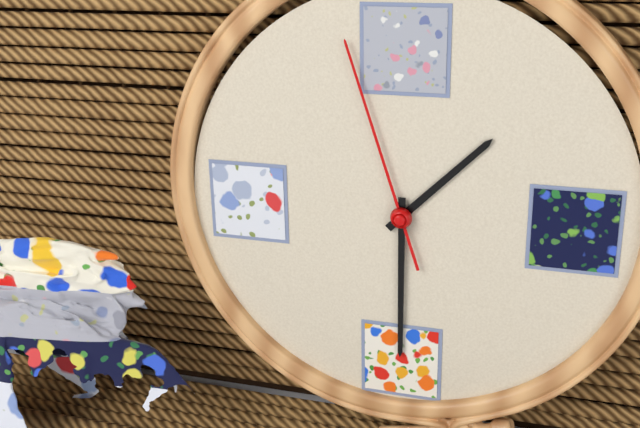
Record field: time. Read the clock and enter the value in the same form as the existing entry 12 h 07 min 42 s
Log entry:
1 h 30 min 57 s
